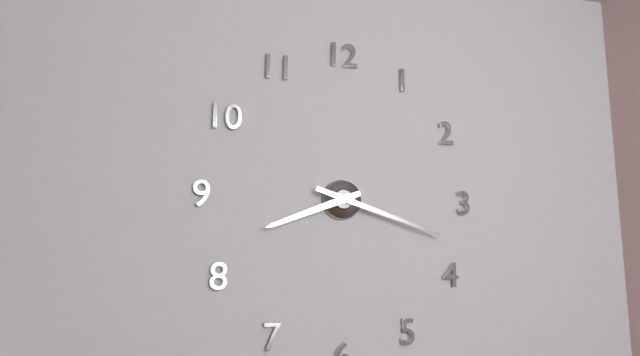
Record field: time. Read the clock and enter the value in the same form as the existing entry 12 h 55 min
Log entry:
8 h 18 min
